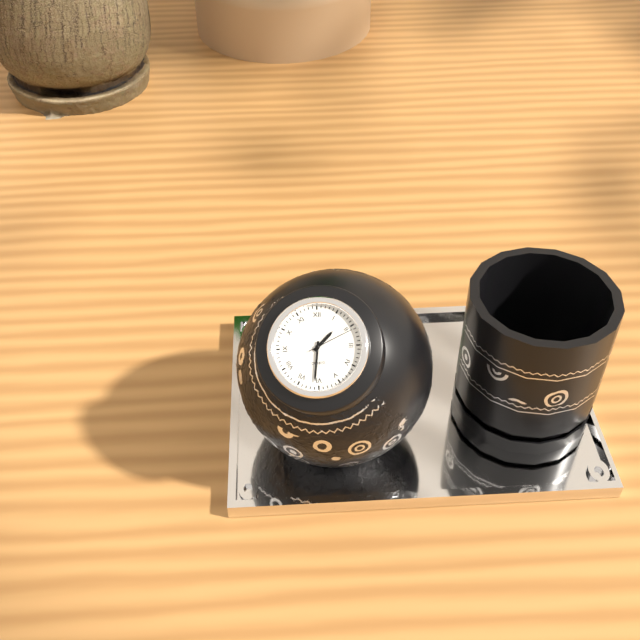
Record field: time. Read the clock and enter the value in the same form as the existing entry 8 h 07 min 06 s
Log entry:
1 h 31 min 11 s
